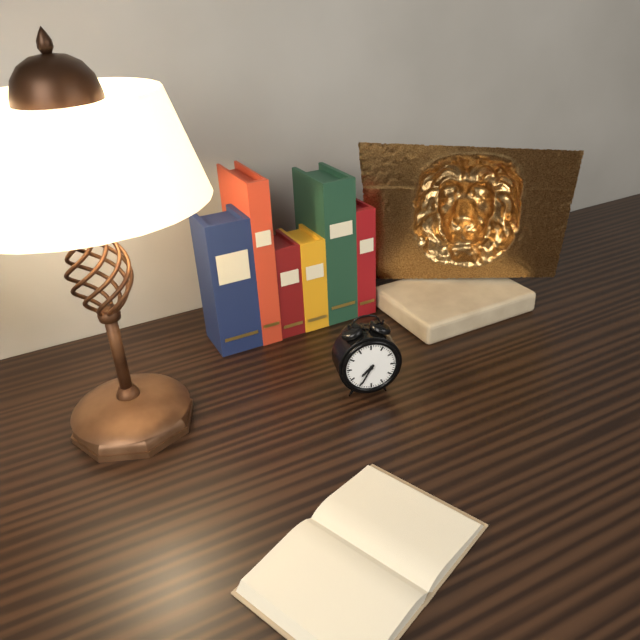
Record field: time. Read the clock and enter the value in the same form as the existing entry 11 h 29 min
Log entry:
7 h 35 min
